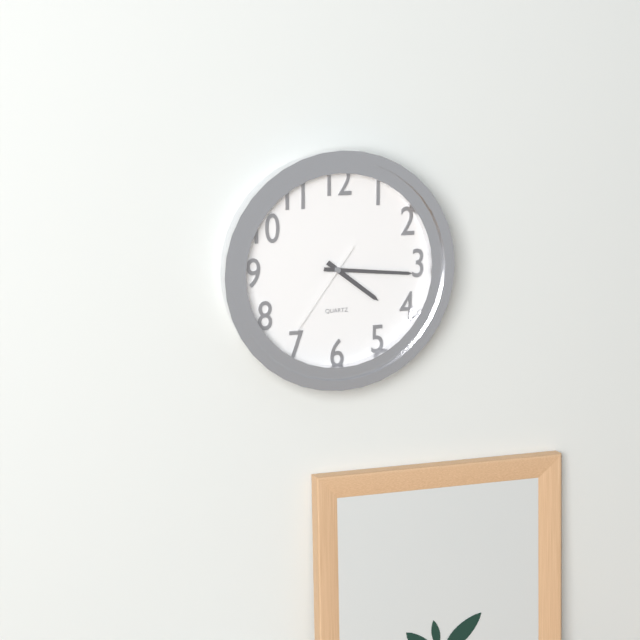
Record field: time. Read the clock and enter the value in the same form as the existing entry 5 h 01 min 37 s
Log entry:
4 h 16 min 36 s
